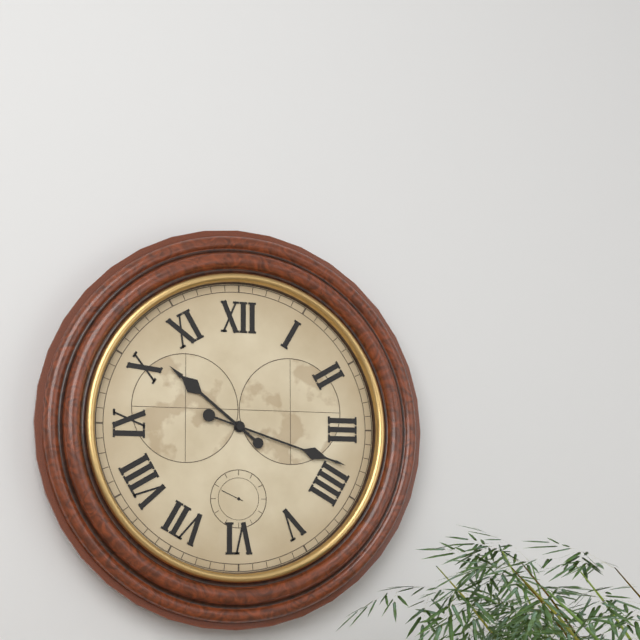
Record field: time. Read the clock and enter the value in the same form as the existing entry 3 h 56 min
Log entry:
10 h 18 min
